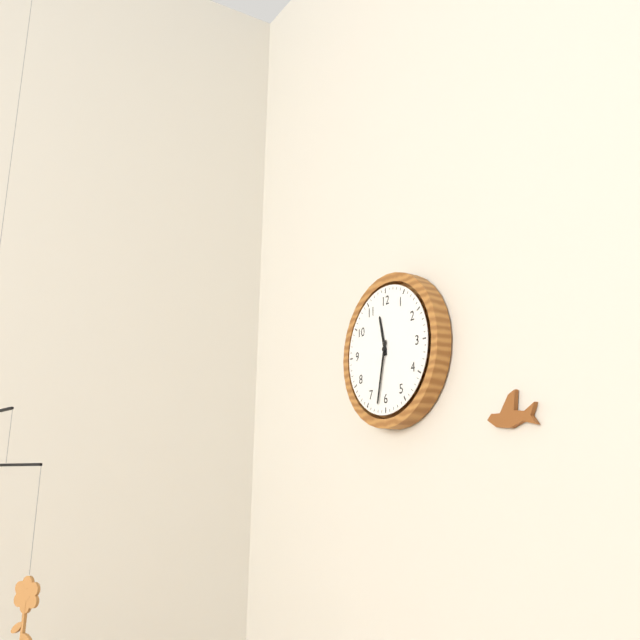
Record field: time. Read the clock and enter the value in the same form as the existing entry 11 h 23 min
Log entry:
11 h 32 min
